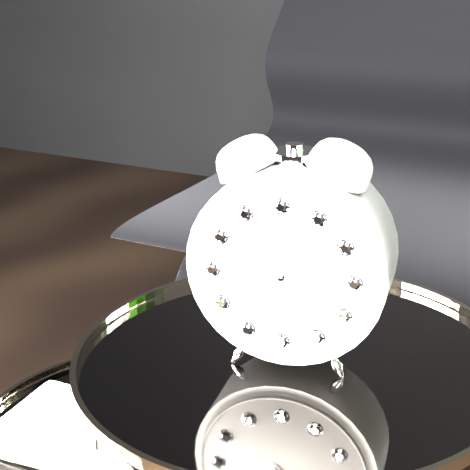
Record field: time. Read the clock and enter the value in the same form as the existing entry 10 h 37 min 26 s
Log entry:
3 h 05 min 07 s
